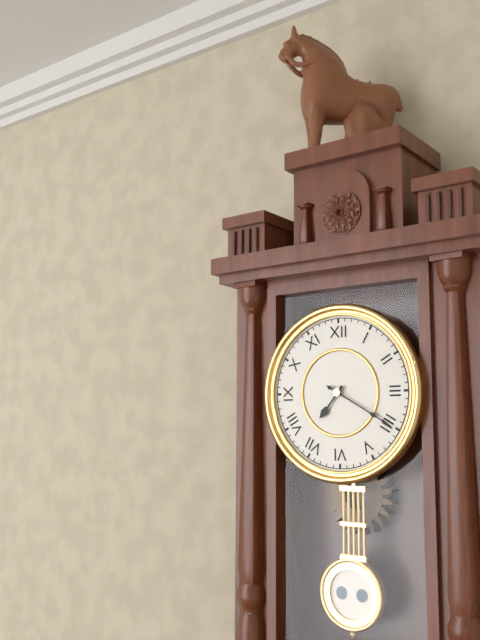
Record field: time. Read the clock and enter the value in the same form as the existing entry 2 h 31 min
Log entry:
7 h 20 min
